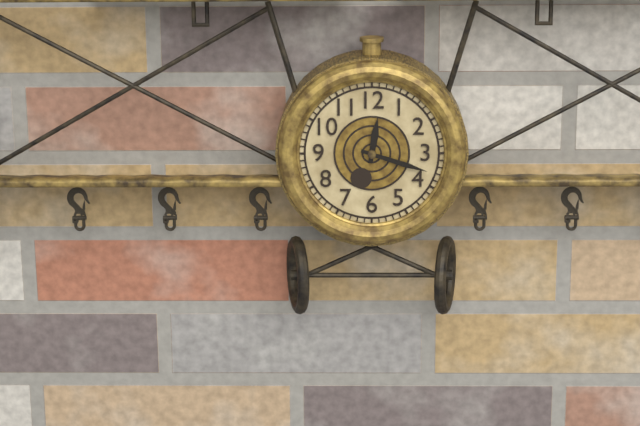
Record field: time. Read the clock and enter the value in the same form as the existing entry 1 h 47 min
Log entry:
12 h 18 min
